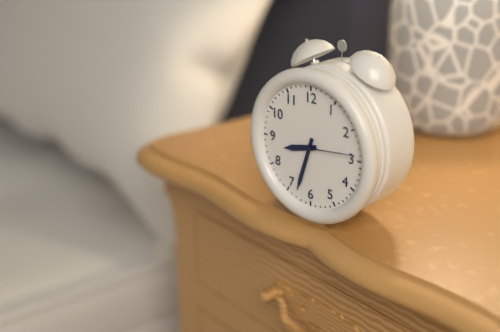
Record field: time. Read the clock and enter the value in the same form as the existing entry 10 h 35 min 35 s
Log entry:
8 h 33 min 14 s
